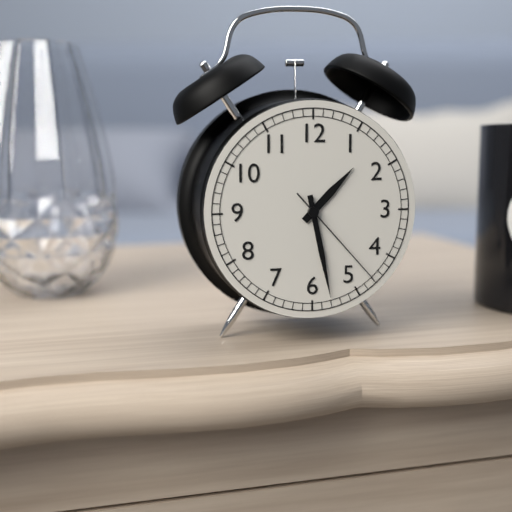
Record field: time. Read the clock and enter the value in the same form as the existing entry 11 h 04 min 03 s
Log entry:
1 h 28 min 23 s
